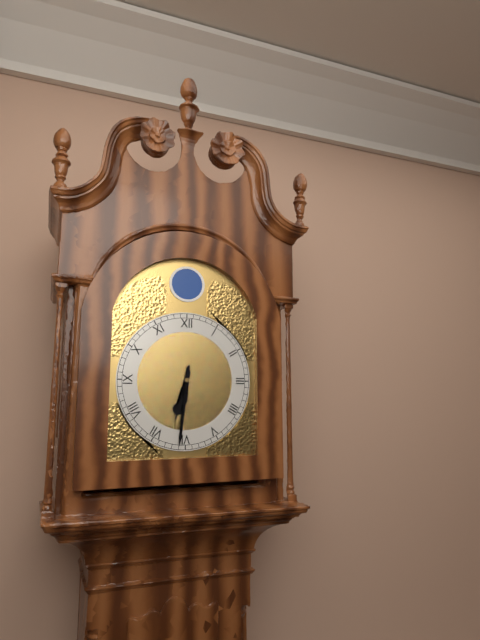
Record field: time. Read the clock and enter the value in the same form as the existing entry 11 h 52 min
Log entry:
6 h 31 min
